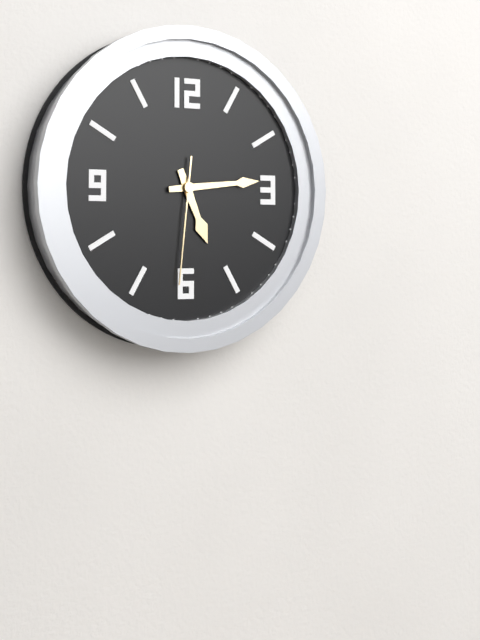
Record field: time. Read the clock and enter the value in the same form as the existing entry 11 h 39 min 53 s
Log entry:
5 h 14 min 31 s
